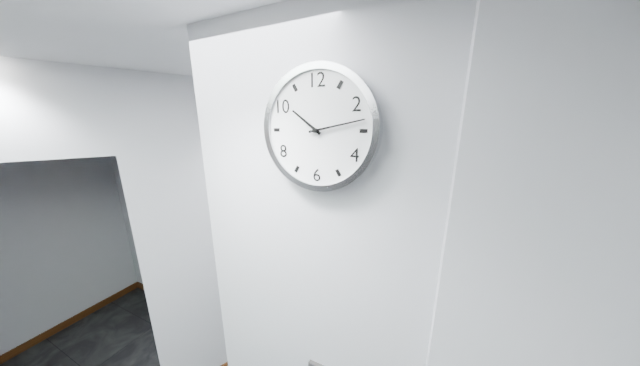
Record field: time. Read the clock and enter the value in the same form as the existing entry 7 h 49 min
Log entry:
10 h 13 min
